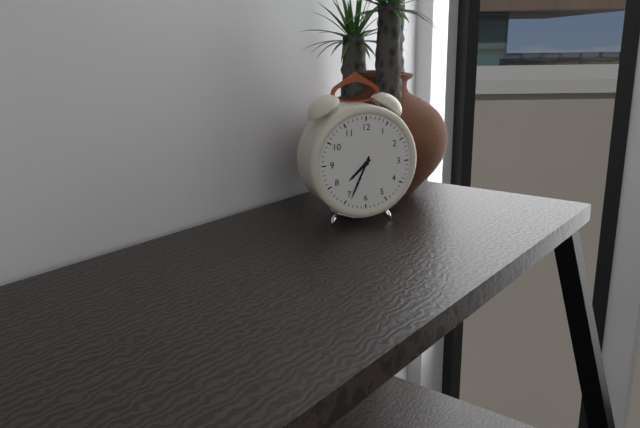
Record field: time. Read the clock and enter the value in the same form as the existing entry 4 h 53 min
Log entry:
7 h 34 min
